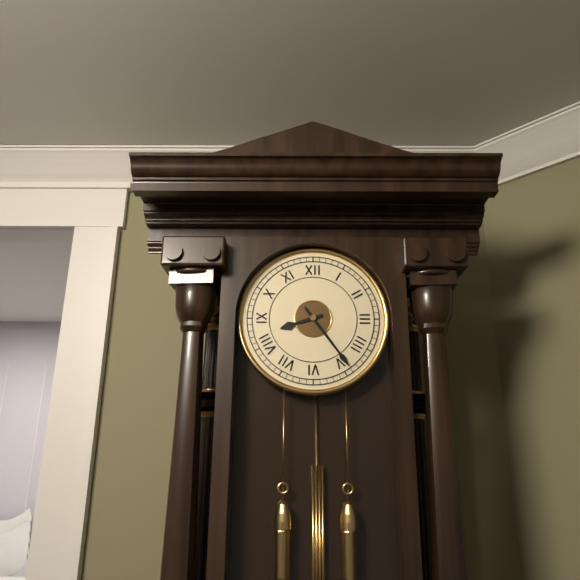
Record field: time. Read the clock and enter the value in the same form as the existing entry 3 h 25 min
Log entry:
8 h 24 min
